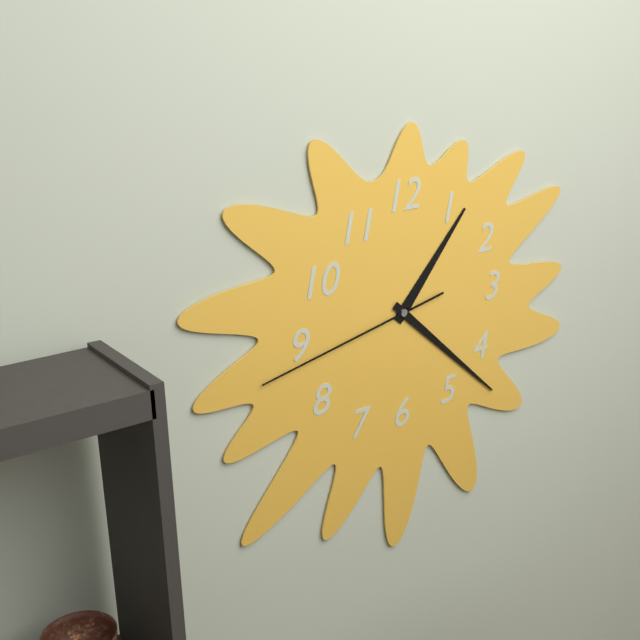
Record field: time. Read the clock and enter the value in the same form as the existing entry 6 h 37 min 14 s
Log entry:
1 h 22 min 43 s
